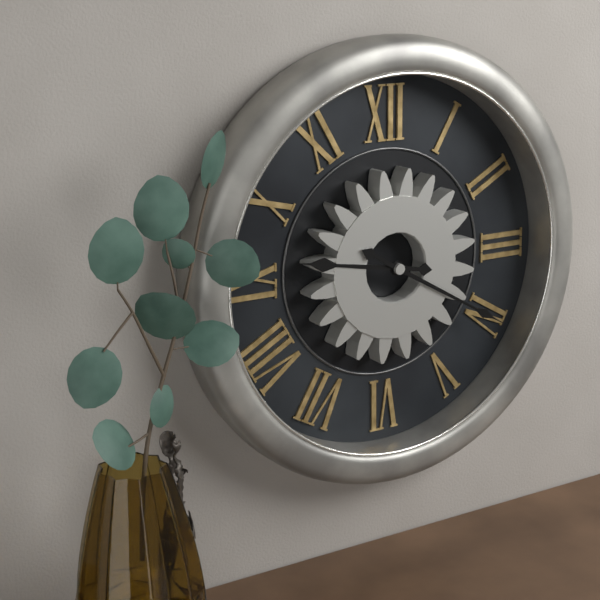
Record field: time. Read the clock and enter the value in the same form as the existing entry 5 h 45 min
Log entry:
9 h 20 min
